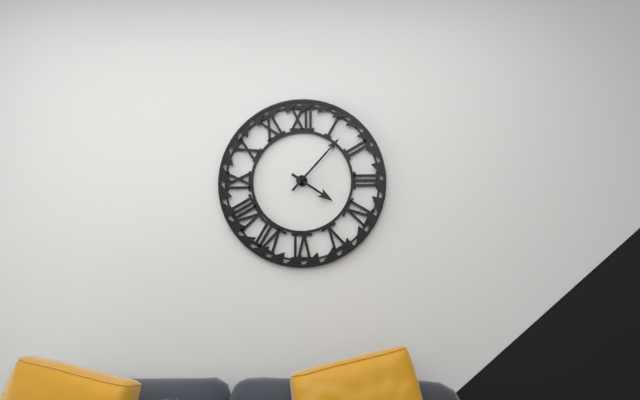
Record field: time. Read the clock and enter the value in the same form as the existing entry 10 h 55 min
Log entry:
4 h 07 min
